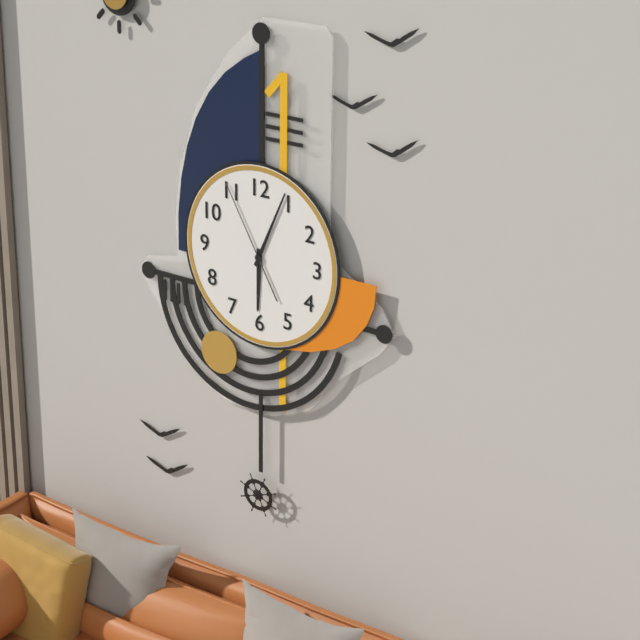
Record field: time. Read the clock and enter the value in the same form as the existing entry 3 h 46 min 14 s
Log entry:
6 h 04 min 55 s
